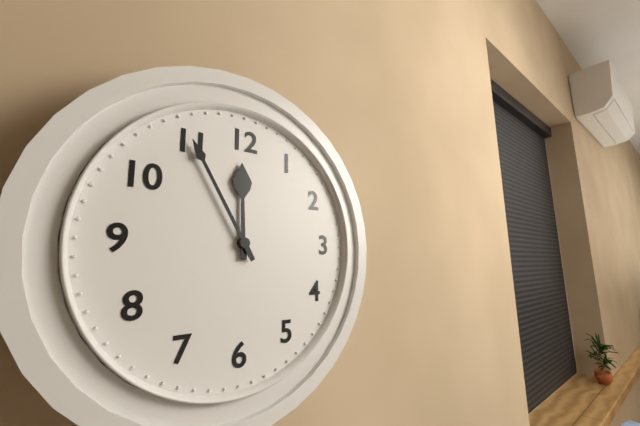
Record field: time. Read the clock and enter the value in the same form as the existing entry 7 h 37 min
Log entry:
11 h 55 min
